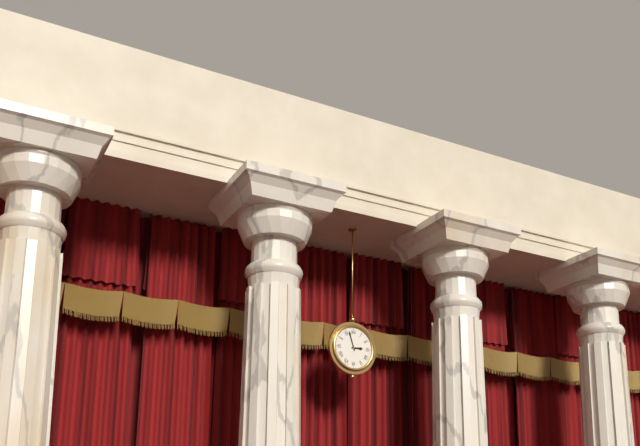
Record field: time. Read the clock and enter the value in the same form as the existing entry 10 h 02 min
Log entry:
2 h 57 min
